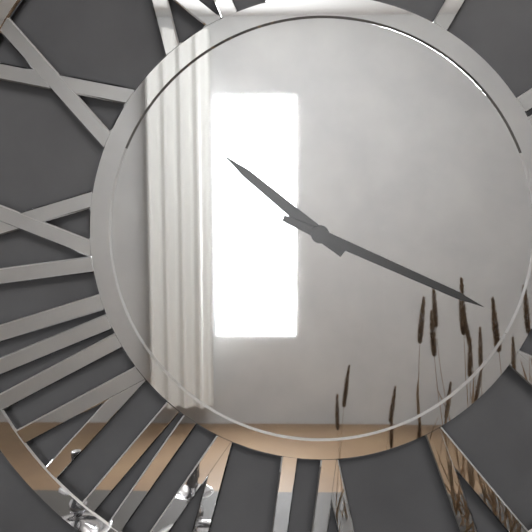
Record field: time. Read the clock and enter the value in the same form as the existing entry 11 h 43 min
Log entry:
10 h 19 min
